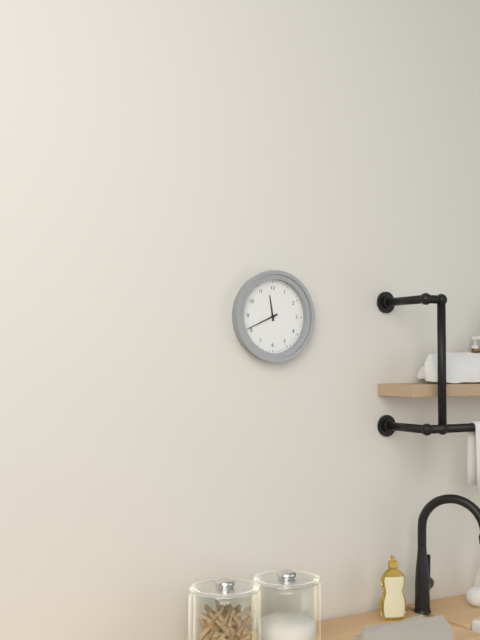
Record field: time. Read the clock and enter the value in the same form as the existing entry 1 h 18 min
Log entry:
11 h 41 min
